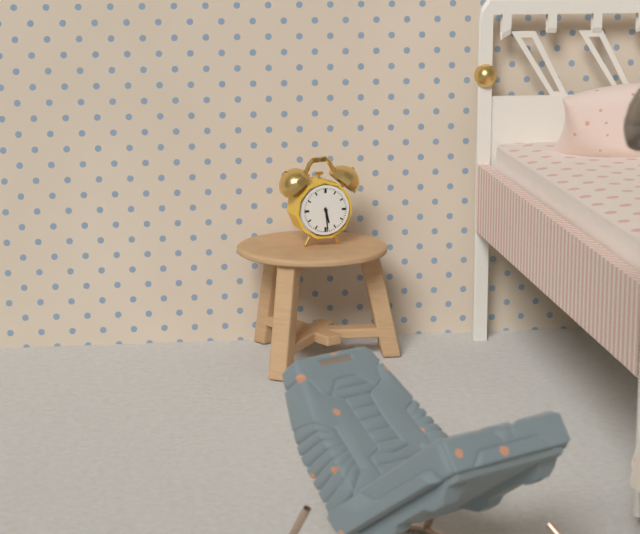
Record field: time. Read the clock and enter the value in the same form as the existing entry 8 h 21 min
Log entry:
5 h 29 min
